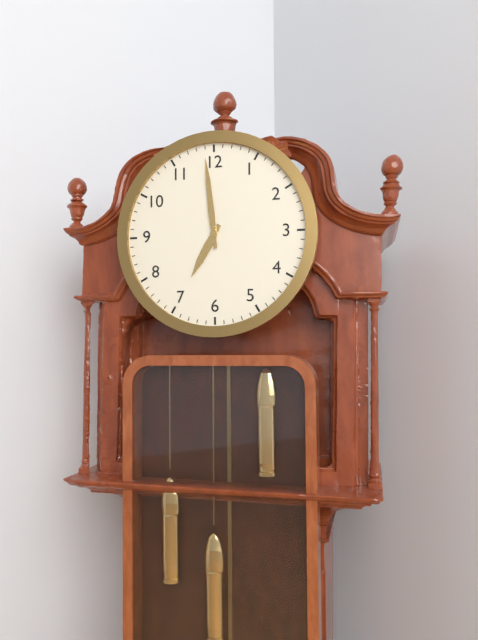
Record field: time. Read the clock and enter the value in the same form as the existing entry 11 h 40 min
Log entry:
6 h 59 min
